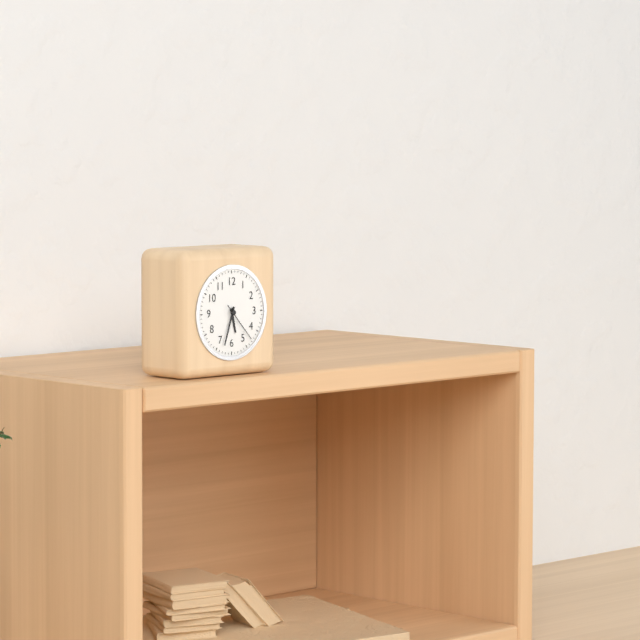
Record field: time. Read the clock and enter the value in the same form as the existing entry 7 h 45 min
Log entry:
5 h 33 min
